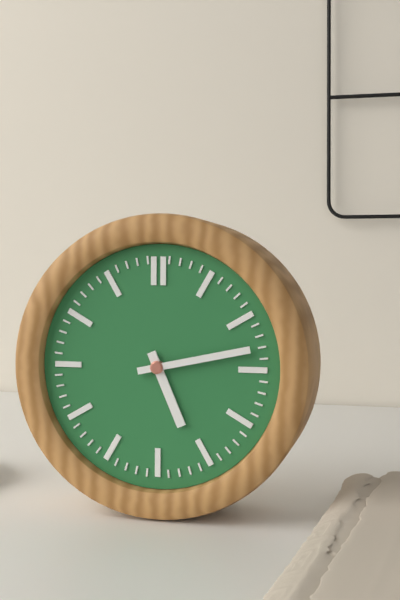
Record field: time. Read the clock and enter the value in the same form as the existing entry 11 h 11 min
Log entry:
5 h 13 min
